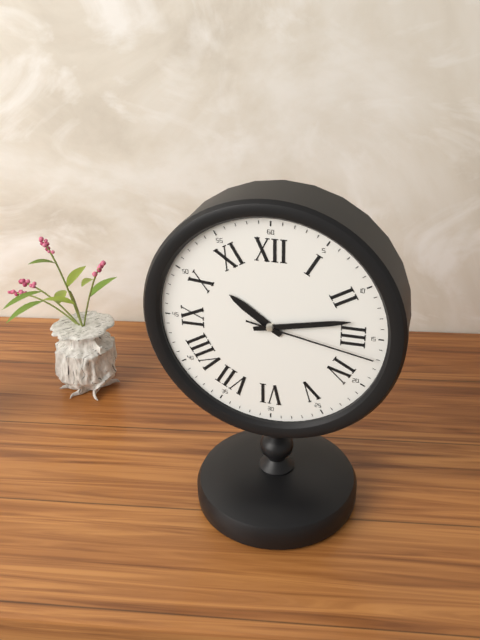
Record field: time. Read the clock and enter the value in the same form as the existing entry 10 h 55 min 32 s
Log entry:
10 h 13 min 17 s
